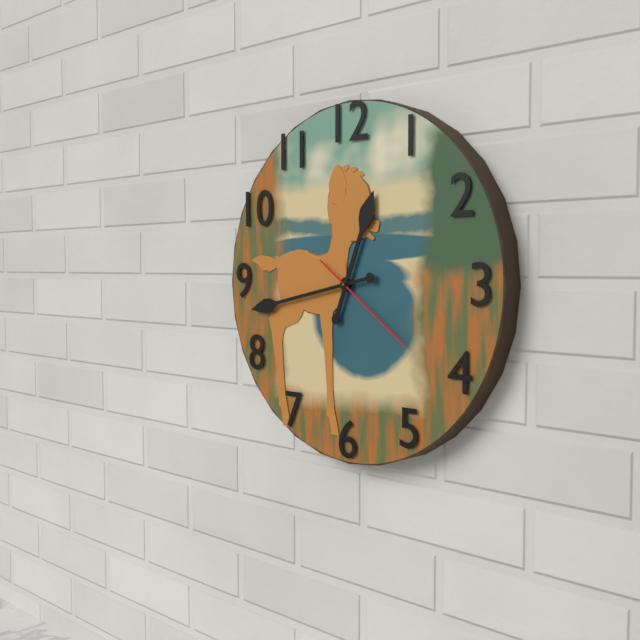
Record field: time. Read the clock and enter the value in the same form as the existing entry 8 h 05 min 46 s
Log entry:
12 h 43 min 21 s
